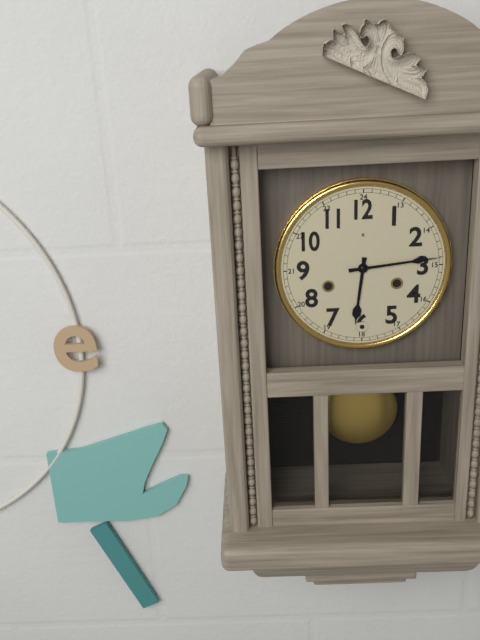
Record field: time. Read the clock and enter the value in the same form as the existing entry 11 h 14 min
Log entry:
6 h 14 min
